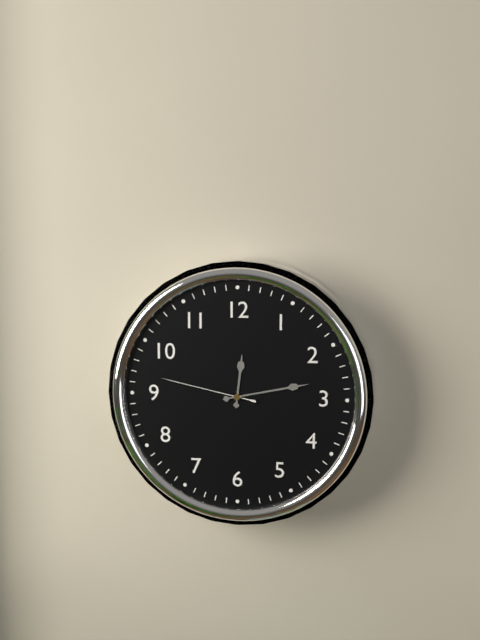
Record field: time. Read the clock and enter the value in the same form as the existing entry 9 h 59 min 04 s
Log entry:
12 h 13 min 47 s
